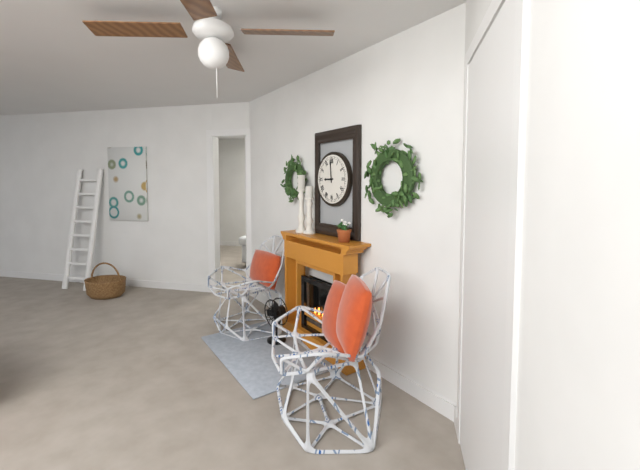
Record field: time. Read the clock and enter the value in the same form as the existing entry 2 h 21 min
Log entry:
8 h 59 min
